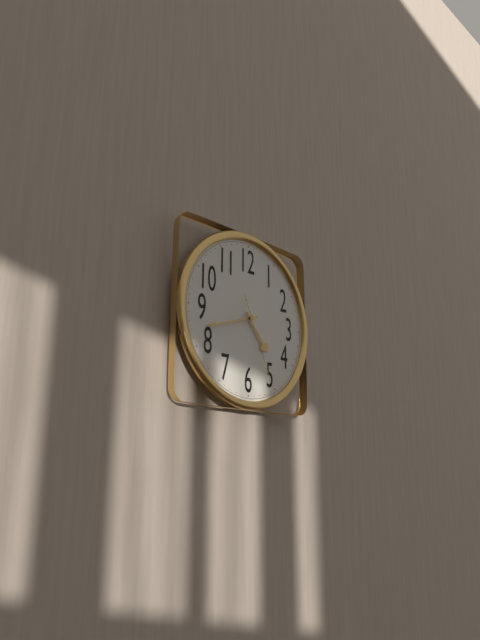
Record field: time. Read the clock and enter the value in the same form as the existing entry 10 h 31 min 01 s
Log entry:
4 h 42 min 26 s
